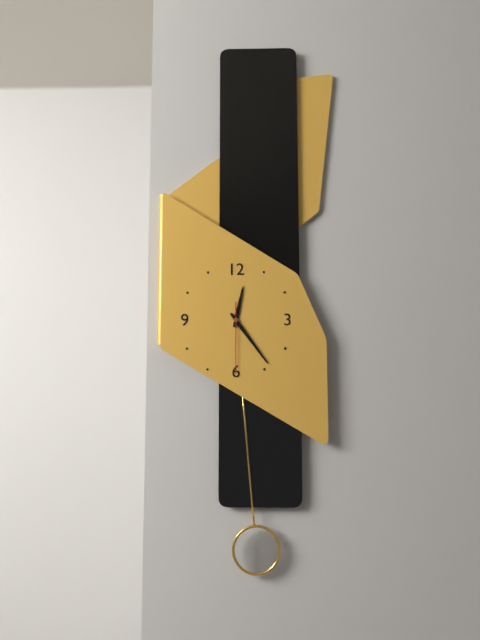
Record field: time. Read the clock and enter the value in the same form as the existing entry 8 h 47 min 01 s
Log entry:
12 h 24 min 30 s
